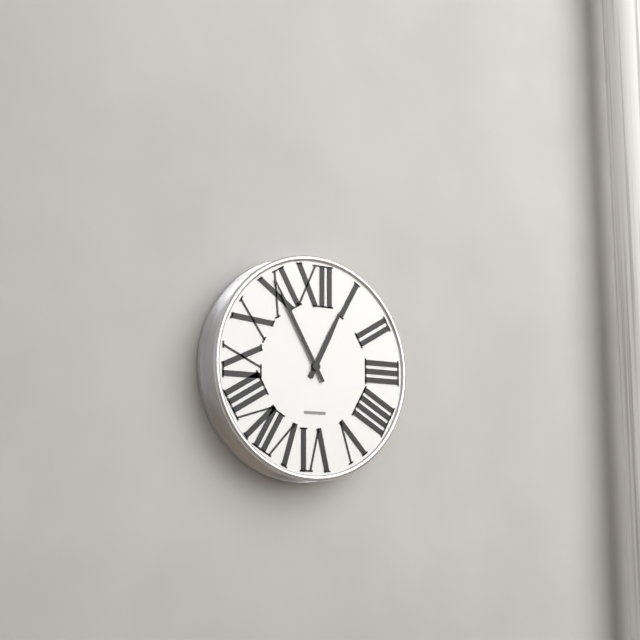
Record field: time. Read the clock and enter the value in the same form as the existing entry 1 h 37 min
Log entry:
12 h 55 min
